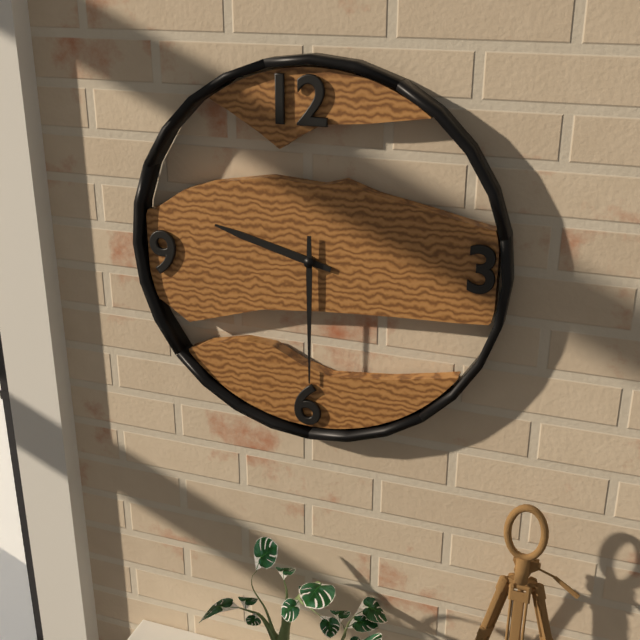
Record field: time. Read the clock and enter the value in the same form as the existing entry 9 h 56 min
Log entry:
9 h 30 min
